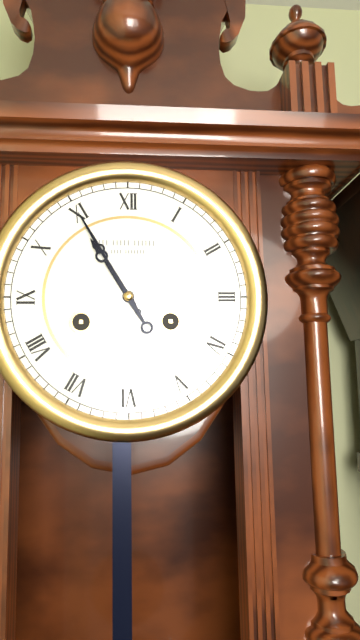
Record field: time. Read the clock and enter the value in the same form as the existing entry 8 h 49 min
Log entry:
10 h 55 min
